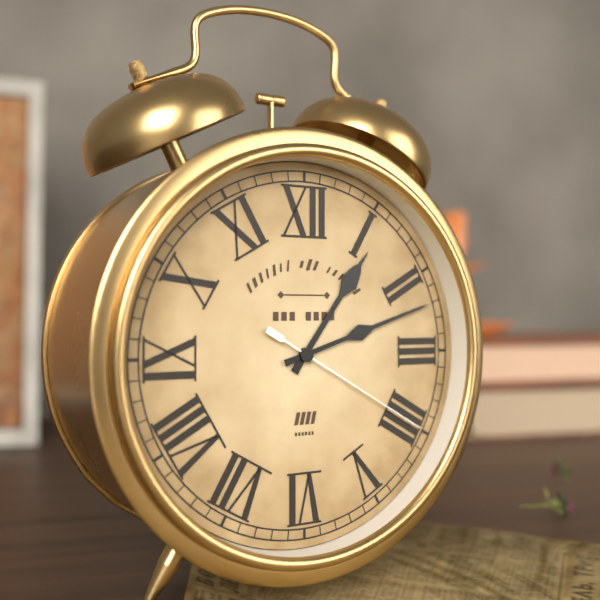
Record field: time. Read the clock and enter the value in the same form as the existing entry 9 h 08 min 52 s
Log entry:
1 h 12 min 20 s
